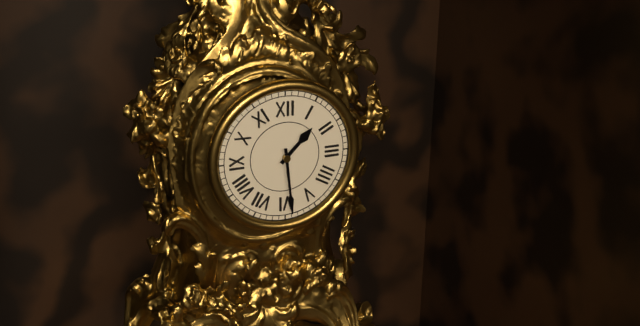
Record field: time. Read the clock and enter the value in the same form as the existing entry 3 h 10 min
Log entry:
1 h 29 min
